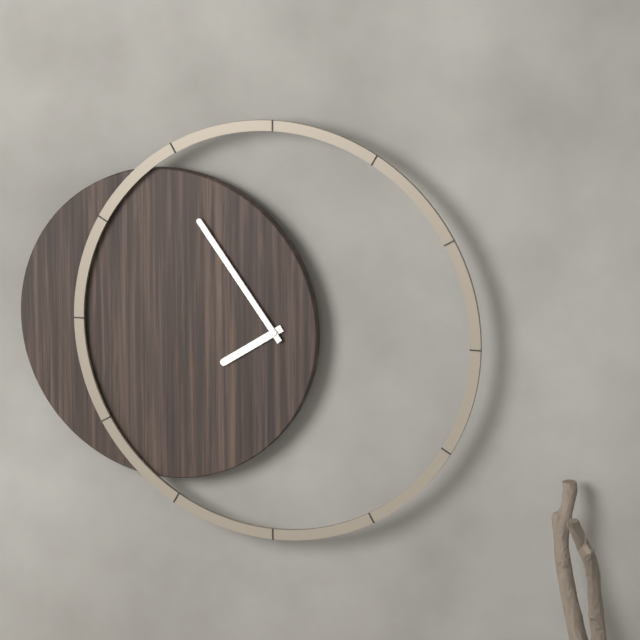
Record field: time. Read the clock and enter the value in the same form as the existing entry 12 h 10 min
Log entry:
7 h 54 min
